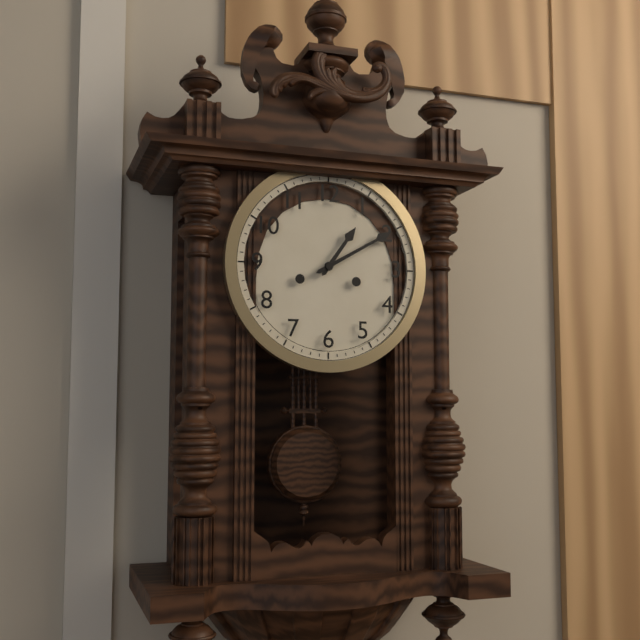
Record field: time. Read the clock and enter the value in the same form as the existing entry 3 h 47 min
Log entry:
1 h 10 min
